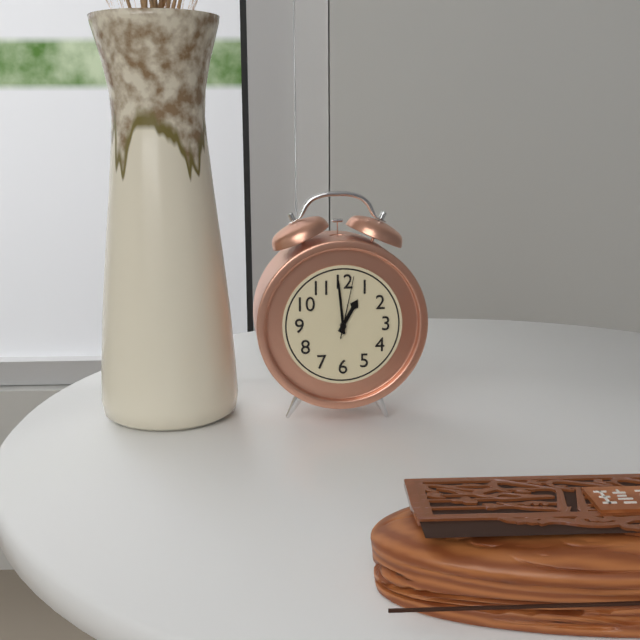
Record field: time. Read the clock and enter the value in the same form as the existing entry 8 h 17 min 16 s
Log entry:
12 h 59 min 02 s
